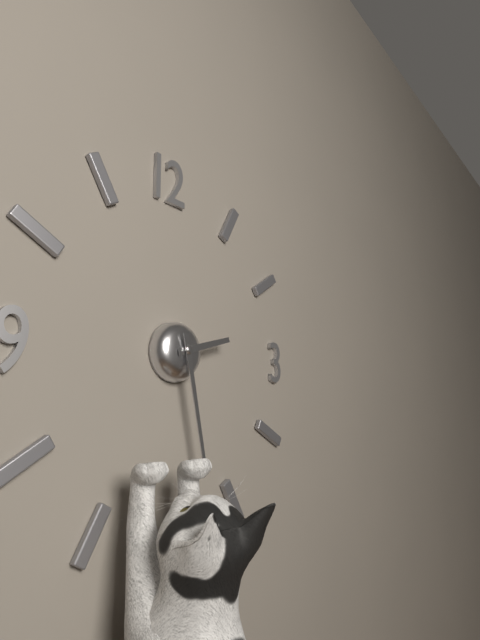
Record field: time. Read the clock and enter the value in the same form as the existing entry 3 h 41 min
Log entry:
2 h 28 min
